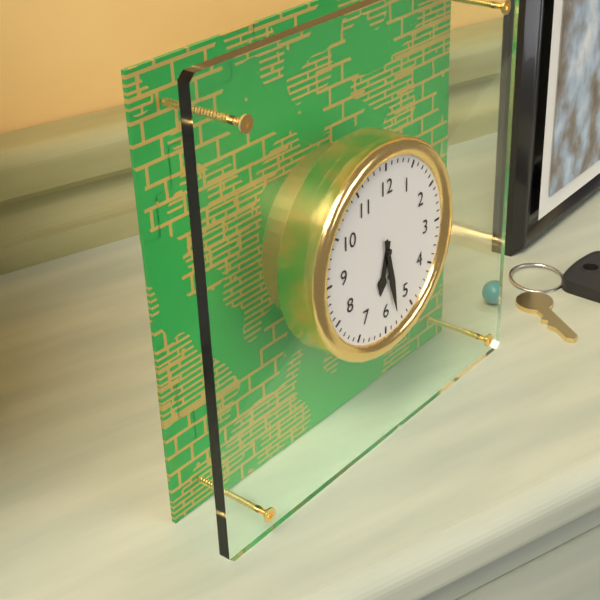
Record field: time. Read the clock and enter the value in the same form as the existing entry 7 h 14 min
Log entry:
6 h 28 min
